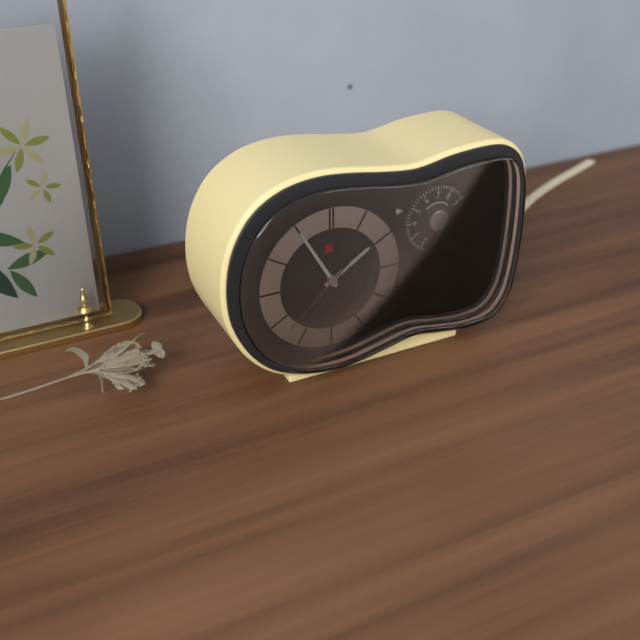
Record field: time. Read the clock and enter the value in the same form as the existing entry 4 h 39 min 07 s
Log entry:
1 h 55 min 38 s
